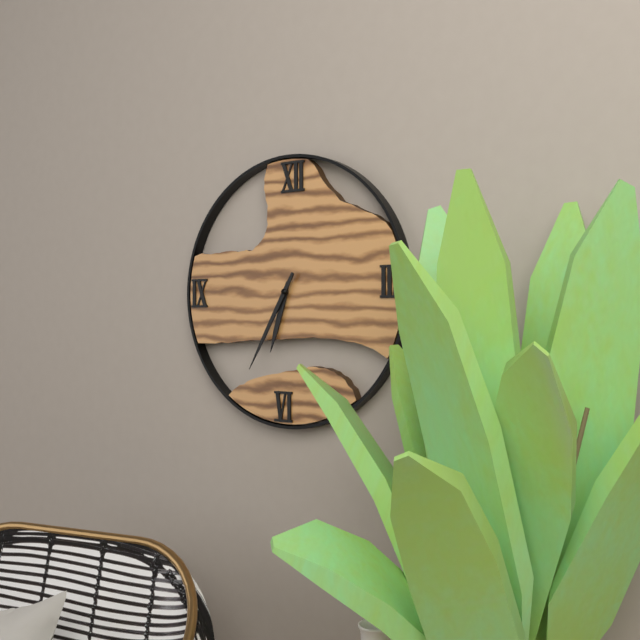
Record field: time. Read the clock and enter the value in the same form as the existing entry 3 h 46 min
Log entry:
6 h 35 min
